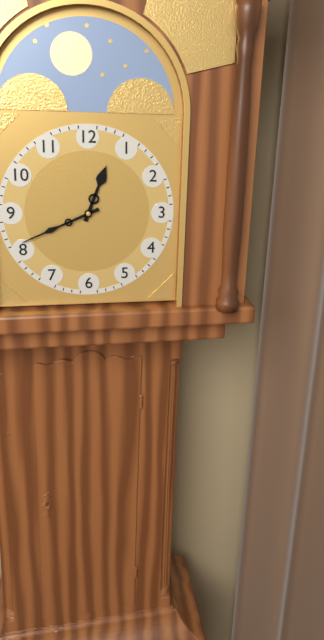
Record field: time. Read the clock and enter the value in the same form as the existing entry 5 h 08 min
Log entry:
12 h 41 min
